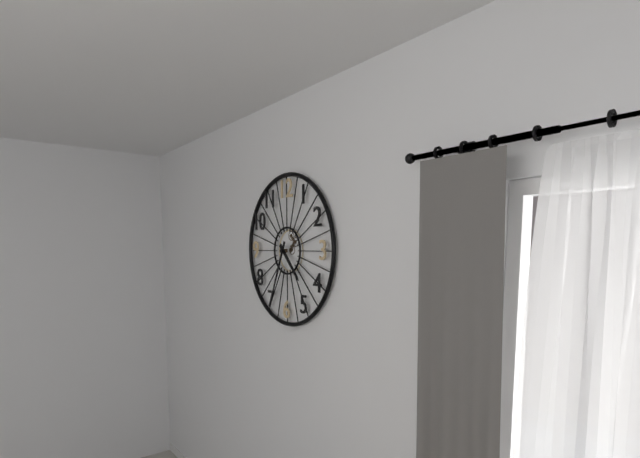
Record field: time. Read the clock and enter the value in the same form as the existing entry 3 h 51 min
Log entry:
4 h 34 min
